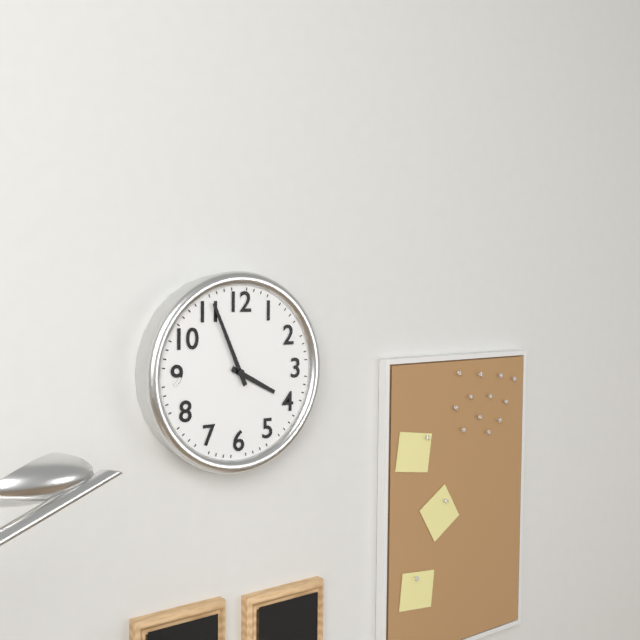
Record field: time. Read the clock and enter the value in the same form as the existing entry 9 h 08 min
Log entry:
3 h 56 min
